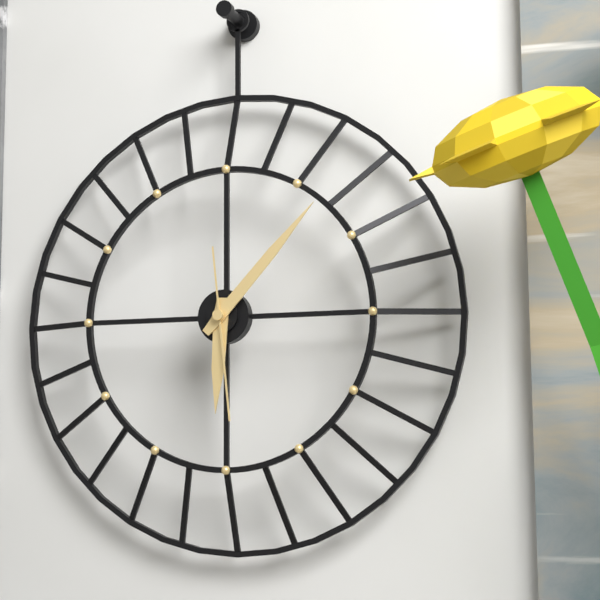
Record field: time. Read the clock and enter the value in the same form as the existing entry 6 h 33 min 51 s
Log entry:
6 h 07 min 29 s
